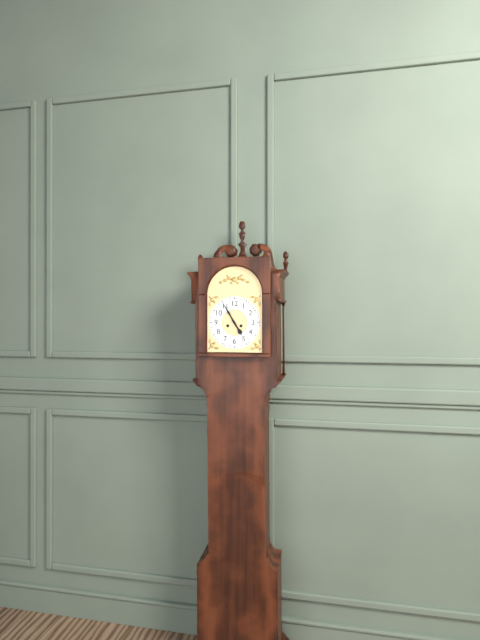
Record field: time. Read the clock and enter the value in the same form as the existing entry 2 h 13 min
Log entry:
4 h 55 min
